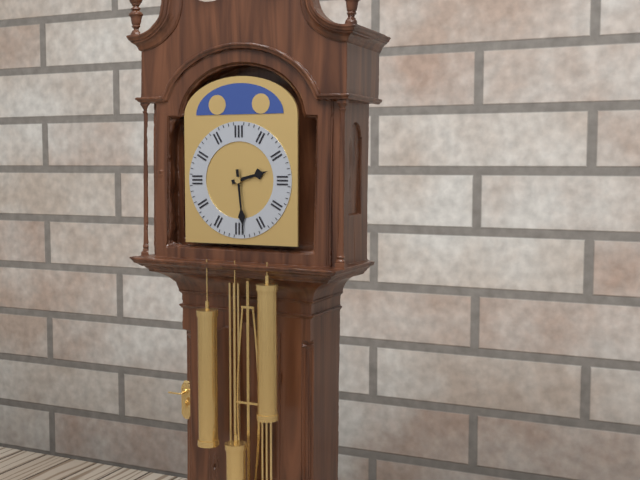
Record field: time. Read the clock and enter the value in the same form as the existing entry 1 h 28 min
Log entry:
2 h 29 min
